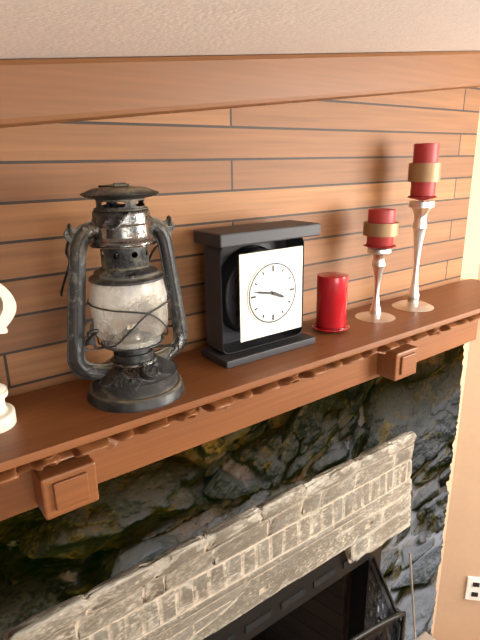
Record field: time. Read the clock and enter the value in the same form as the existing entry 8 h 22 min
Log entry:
3 h 47 min
